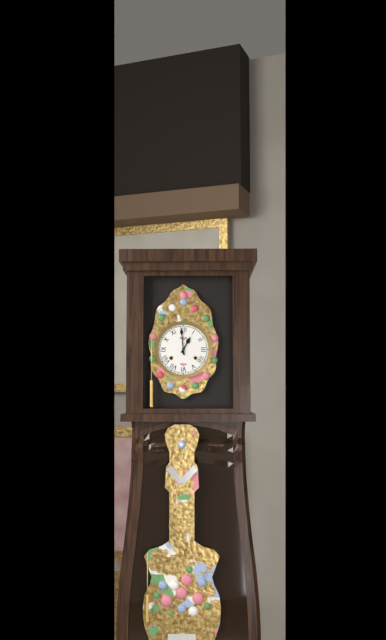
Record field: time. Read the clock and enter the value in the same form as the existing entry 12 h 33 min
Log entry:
12 h 59 min
